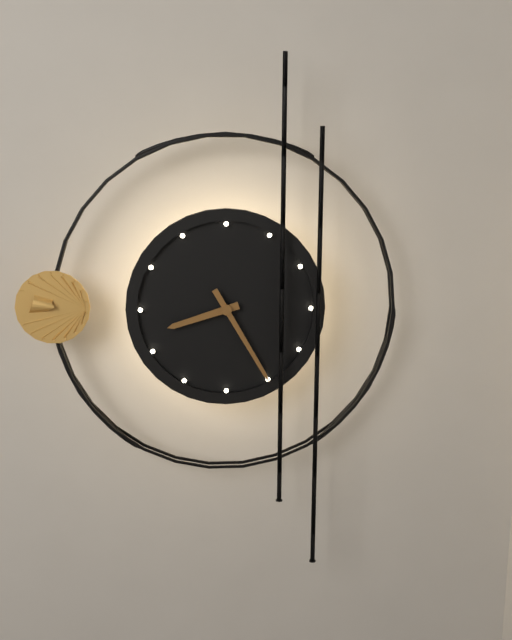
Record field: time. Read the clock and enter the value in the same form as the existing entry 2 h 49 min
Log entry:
8 h 25 min
